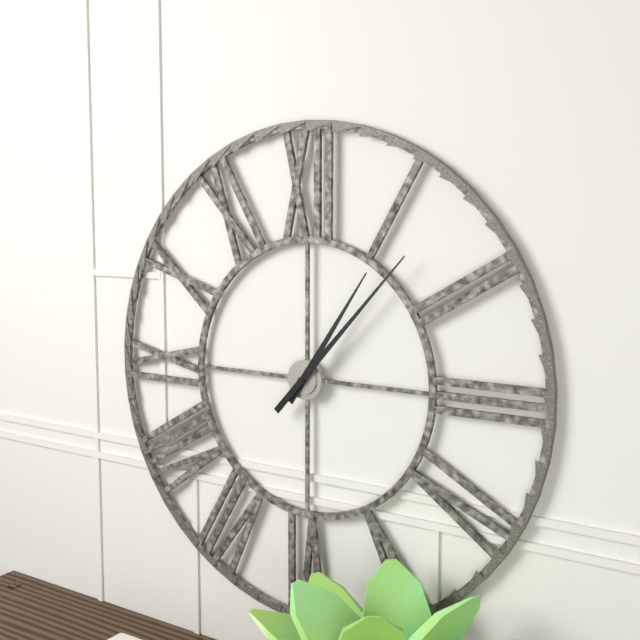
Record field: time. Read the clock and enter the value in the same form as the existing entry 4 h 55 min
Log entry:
1 h 07 min
